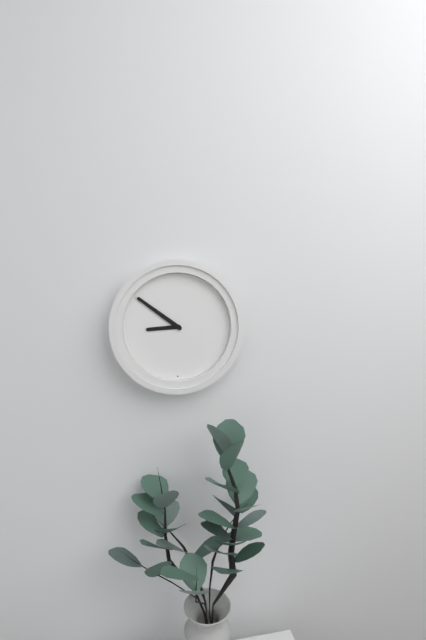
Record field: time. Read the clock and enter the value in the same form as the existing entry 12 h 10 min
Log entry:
8 h 51 min
